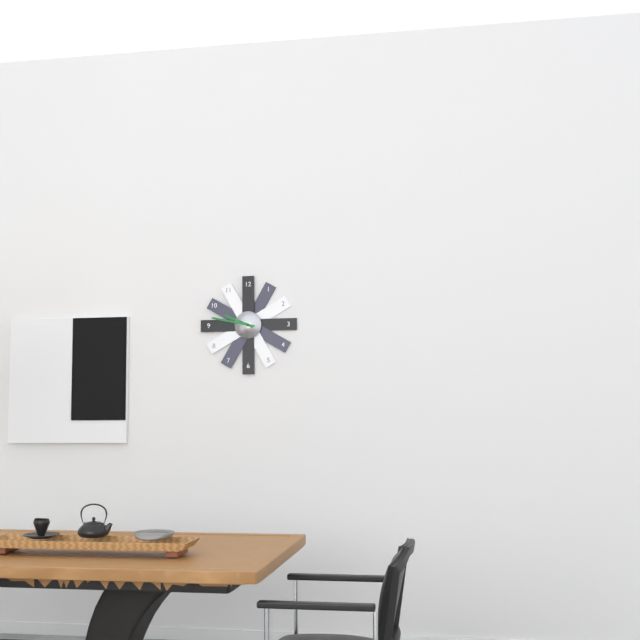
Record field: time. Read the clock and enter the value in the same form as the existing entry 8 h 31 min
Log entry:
9 h 47 min
